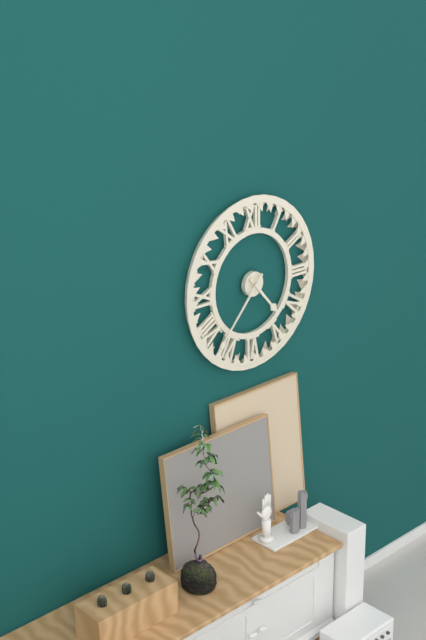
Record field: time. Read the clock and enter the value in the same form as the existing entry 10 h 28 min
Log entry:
4 h 37 min
